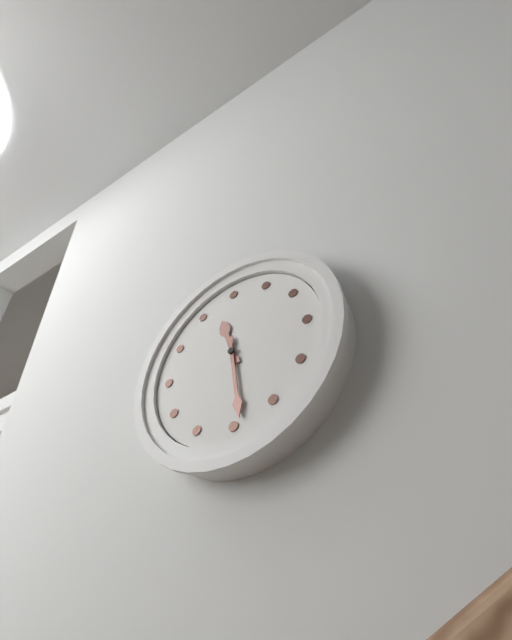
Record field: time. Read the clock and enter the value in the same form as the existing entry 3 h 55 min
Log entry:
11 h 29 min
